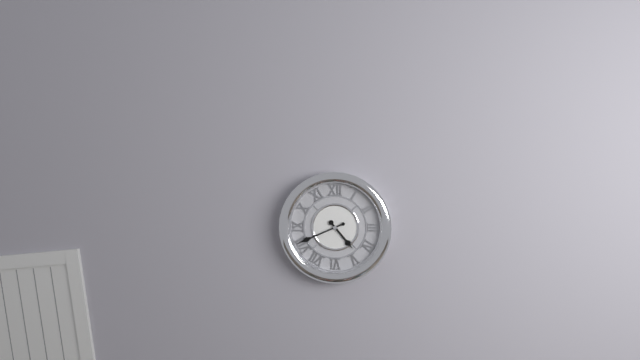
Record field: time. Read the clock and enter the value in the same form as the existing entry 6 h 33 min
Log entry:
4 h 41 min
